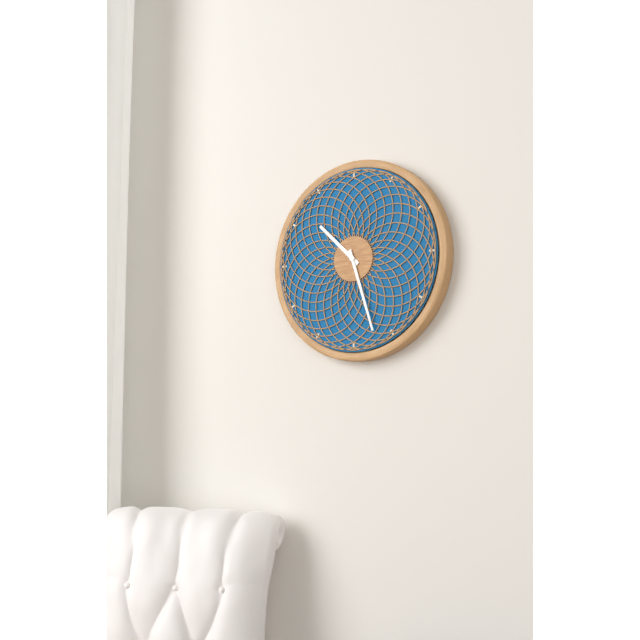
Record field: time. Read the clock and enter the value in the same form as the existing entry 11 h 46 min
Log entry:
10 h 27 min
